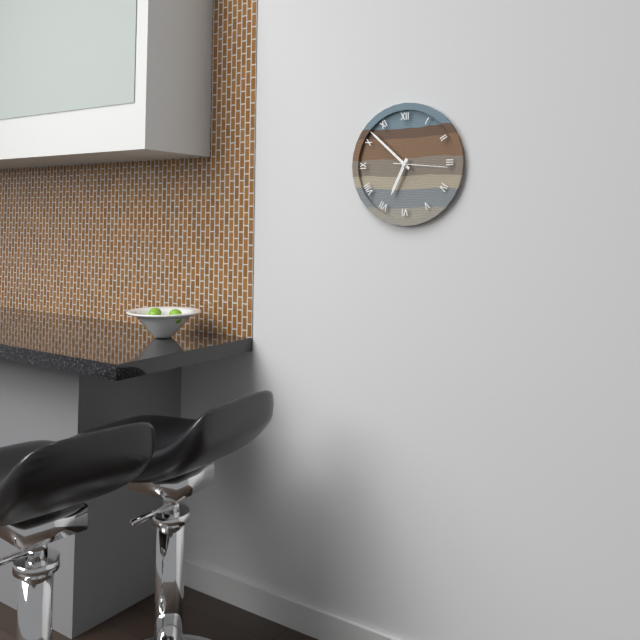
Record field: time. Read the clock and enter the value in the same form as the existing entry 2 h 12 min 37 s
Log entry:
6 h 52 min 16 s
